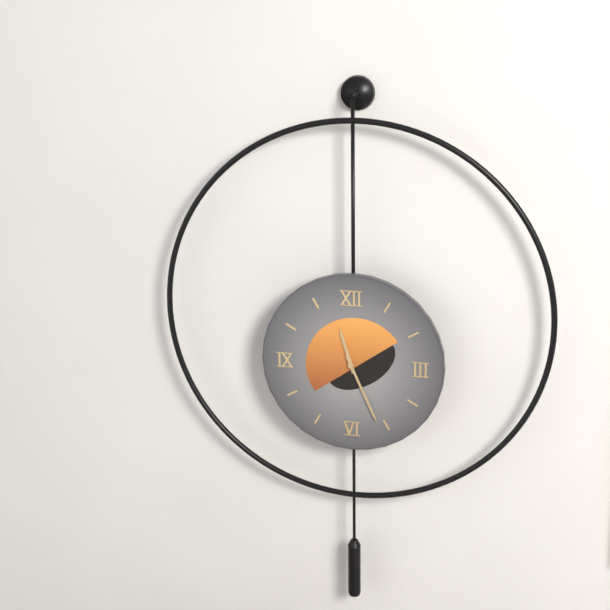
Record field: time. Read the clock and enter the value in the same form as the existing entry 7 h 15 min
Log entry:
11 h 26 min
